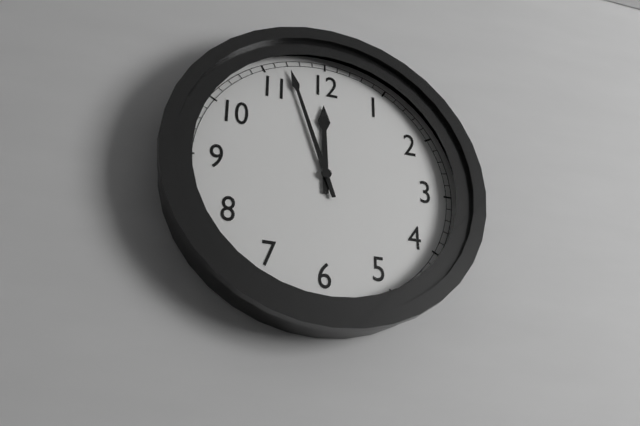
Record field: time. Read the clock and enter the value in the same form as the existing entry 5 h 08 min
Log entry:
11 h 57 min
